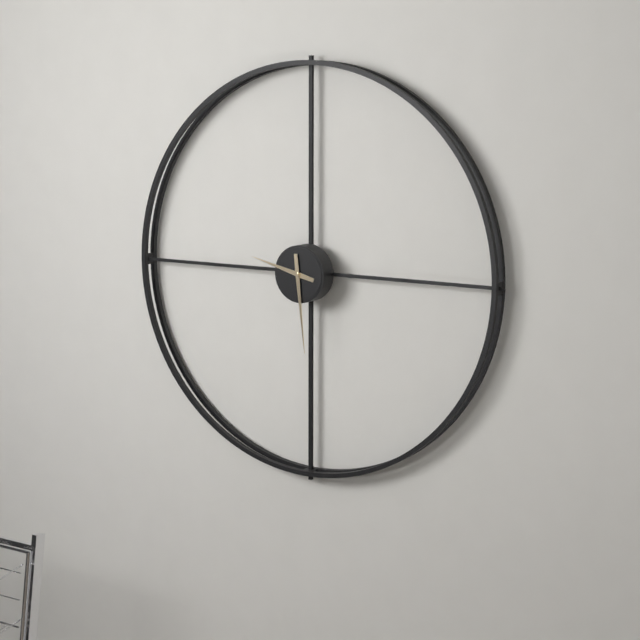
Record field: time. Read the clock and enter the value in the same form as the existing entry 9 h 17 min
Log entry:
9 h 29 min
